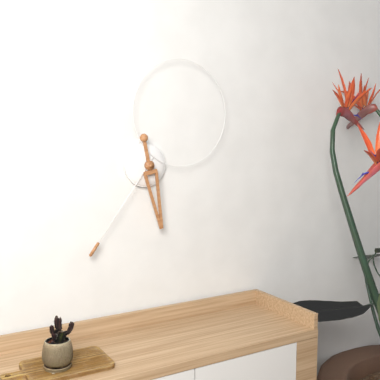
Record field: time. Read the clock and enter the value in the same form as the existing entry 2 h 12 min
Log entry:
5 h 36 min
